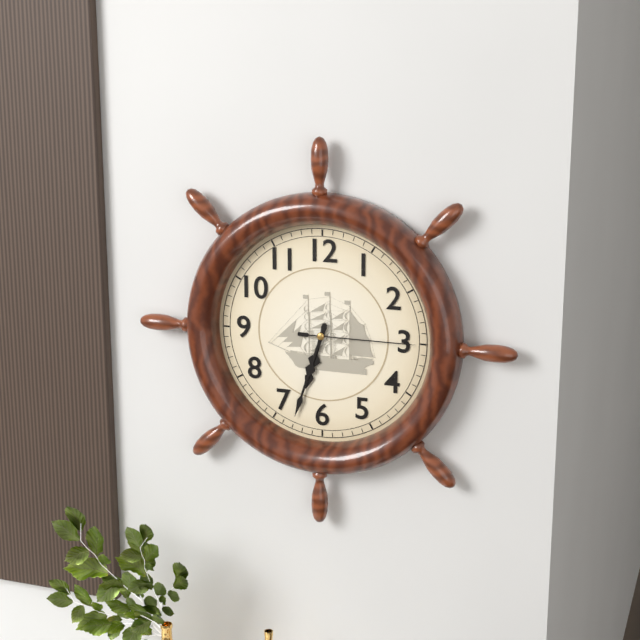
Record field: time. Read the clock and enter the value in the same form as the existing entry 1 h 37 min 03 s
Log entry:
6 h 33 min 15 s
